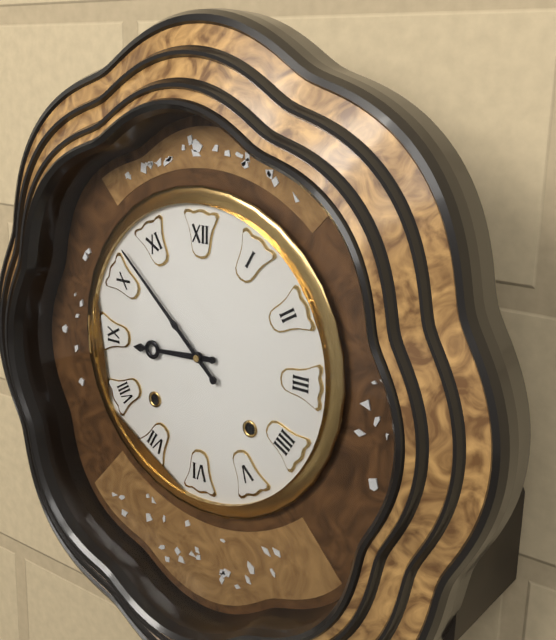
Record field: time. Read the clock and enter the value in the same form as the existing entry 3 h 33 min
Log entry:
8 h 52 min
